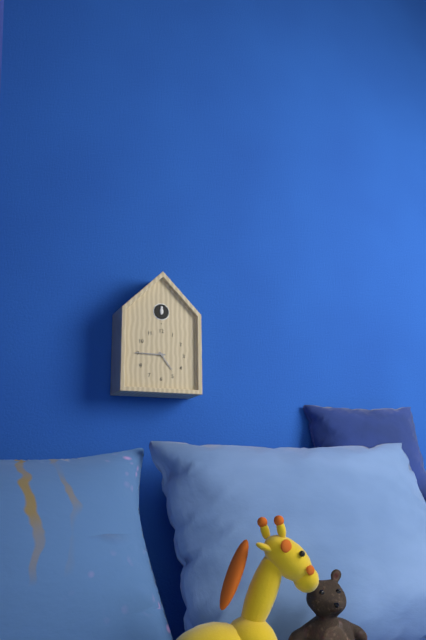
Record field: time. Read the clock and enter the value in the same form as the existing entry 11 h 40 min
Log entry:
4 h 45 min
